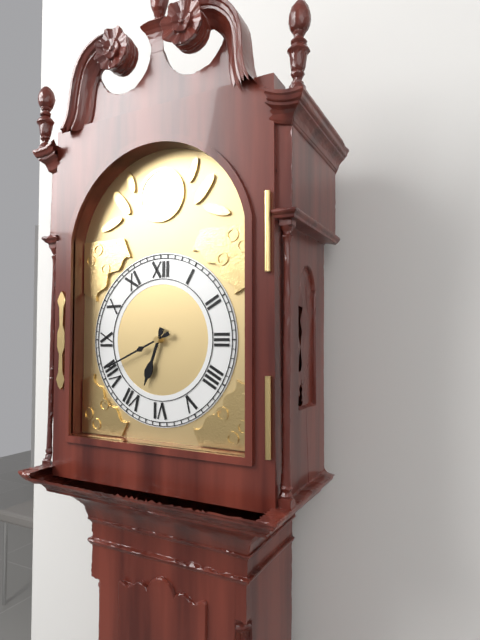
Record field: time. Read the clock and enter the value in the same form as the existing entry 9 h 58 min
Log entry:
6 h 41 min
